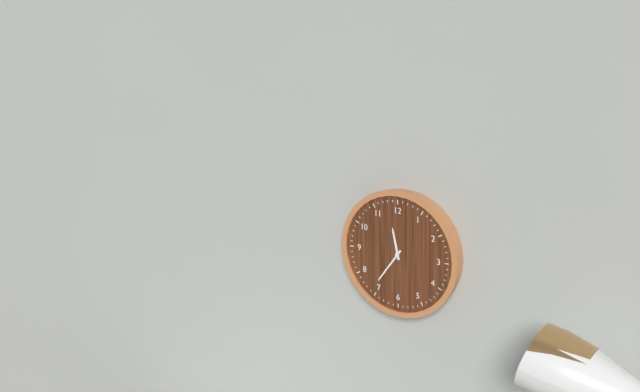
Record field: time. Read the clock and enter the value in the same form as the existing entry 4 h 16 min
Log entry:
11 h 36 min
